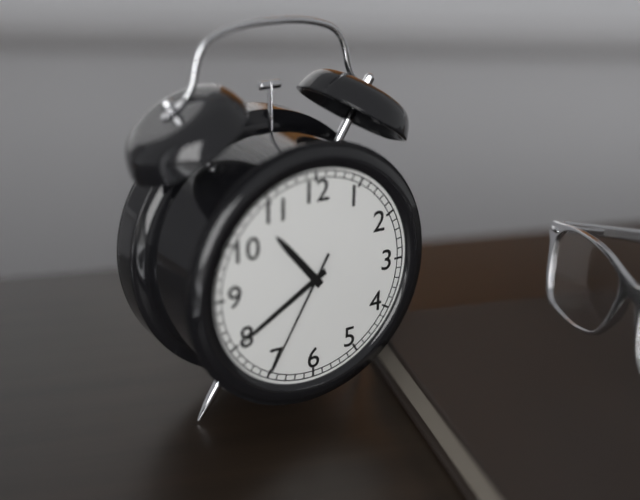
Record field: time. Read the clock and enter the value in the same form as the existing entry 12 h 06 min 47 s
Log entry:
10 h 40 min 35 s
